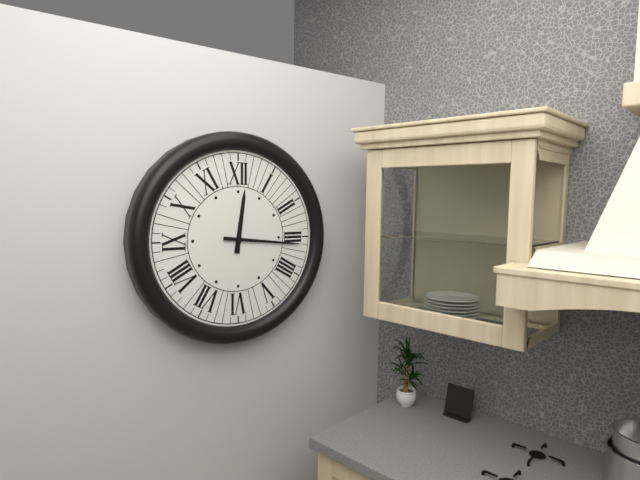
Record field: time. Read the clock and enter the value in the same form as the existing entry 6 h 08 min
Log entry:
12 h 16 min
